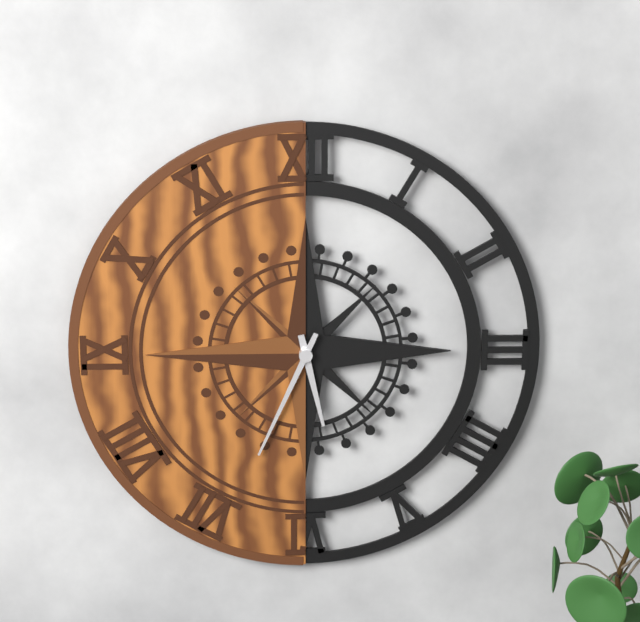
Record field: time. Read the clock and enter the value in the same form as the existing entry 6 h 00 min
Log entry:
5 h 34 min
